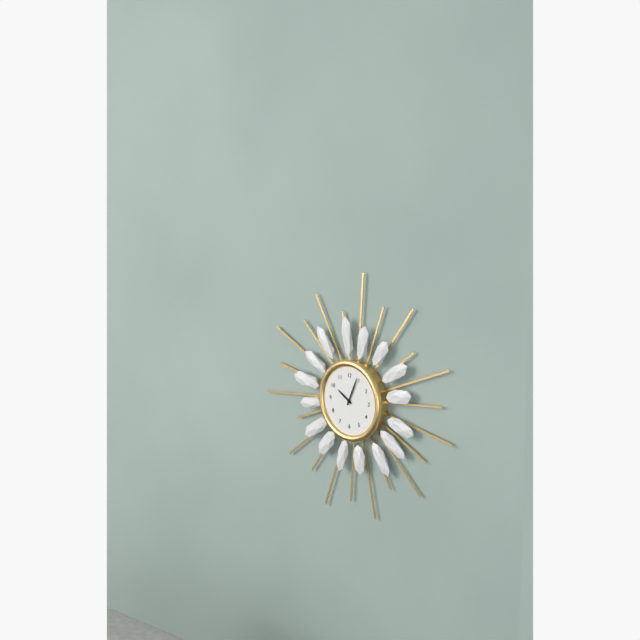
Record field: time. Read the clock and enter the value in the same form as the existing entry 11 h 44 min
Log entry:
10 h 04 min
